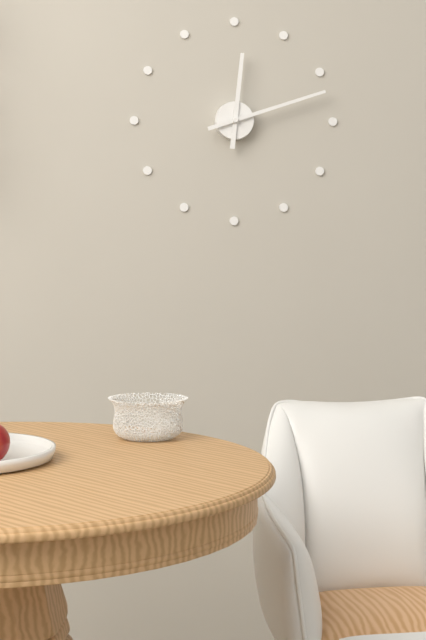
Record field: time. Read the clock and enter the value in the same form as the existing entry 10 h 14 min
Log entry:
12 h 12 min
